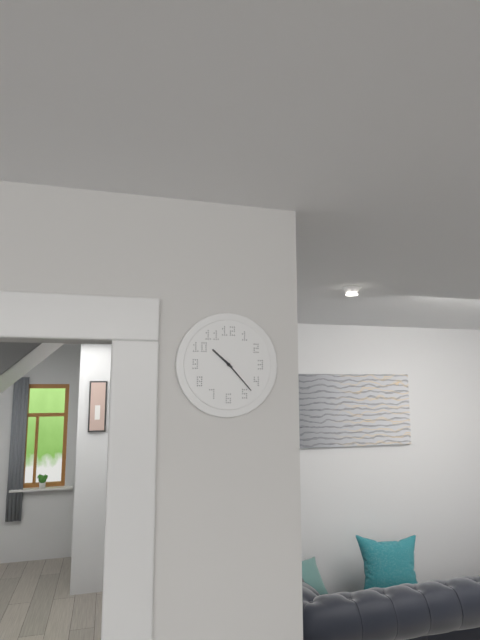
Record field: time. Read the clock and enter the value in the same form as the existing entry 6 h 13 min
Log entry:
10 h 23 min
